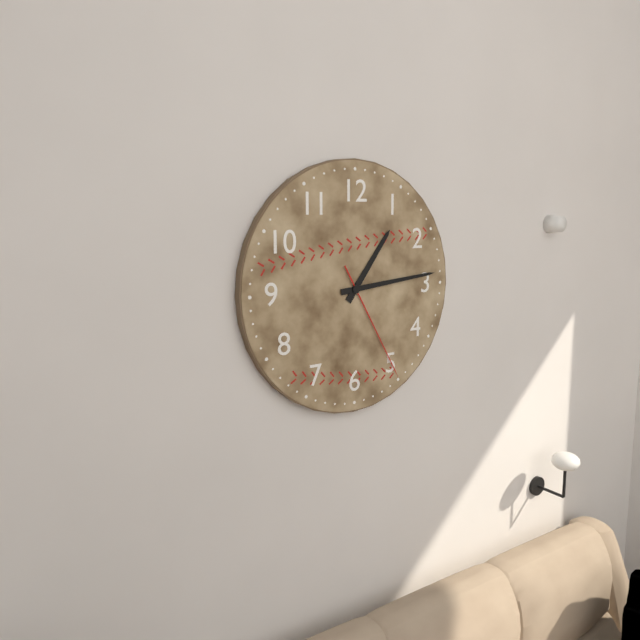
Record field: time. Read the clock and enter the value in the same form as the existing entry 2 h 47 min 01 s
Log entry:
1 h 14 min 25 s
